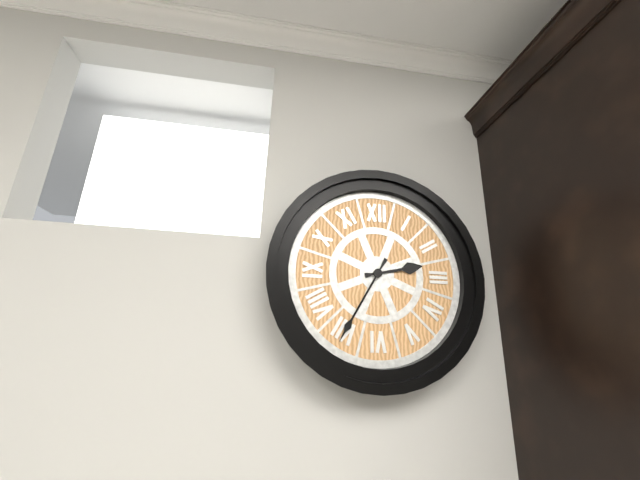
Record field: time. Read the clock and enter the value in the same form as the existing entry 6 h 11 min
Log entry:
2 h 35 min
